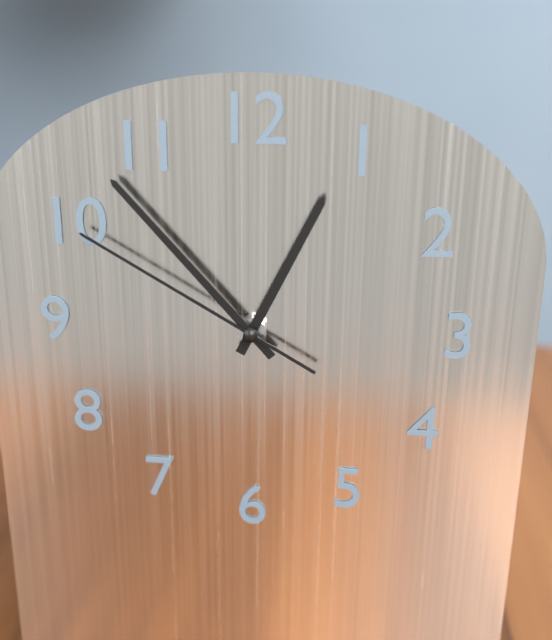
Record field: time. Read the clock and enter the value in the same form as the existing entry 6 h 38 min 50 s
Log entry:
12 h 53 min 50 s
